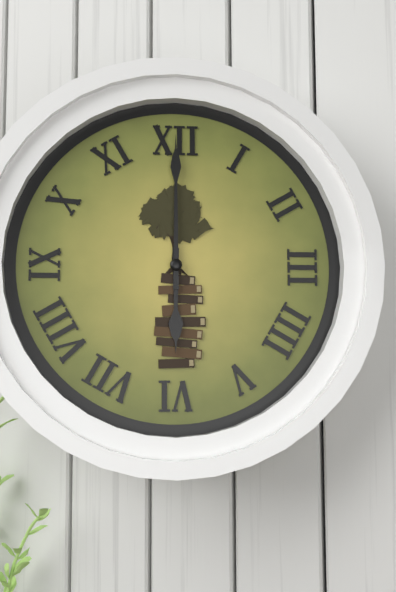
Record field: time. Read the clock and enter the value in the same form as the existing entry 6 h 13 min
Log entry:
6 h 00 min
